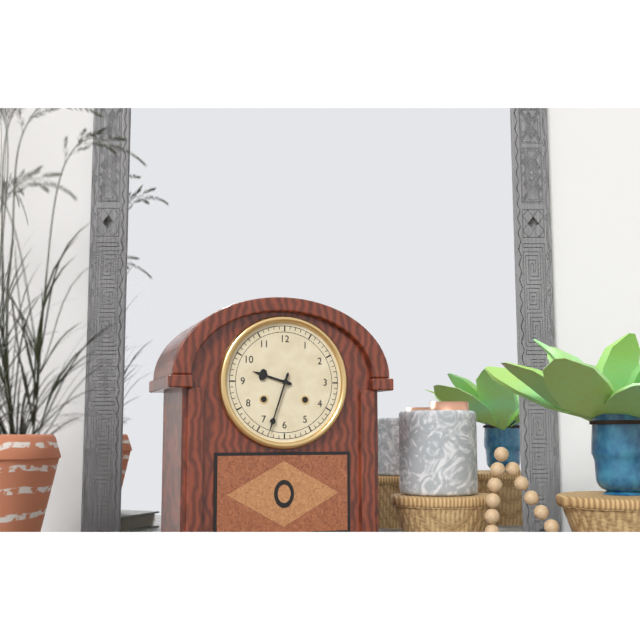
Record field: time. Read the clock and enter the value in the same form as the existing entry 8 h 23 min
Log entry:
9 h 33 min
